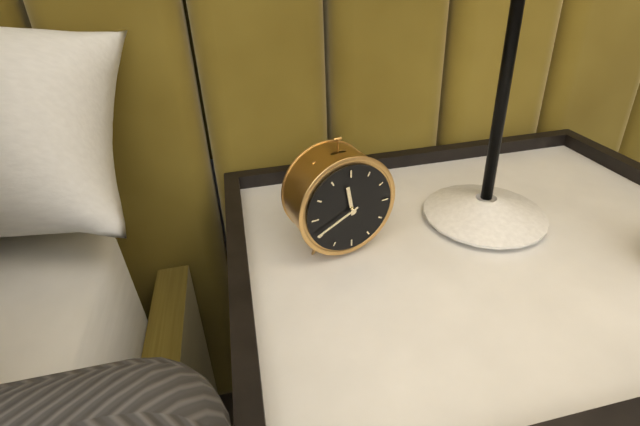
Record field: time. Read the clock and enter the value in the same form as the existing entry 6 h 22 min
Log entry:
11 h 41 min
